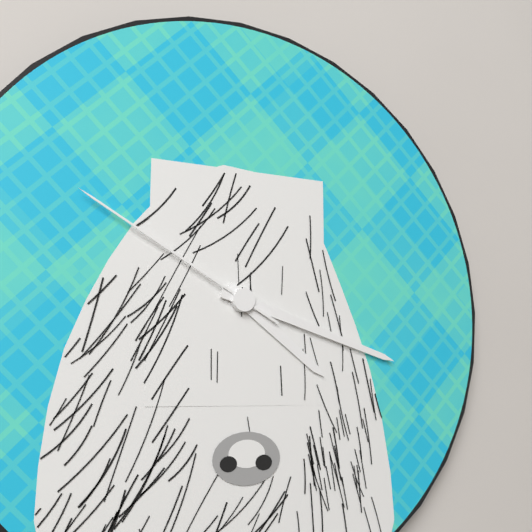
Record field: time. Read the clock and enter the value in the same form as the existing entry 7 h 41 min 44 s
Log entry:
4 h 18 min 50 s
